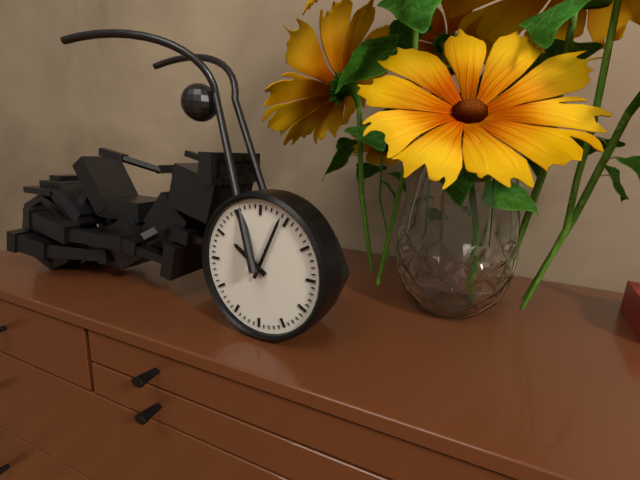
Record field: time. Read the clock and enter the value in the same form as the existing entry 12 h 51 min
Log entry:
10 h 04 min
